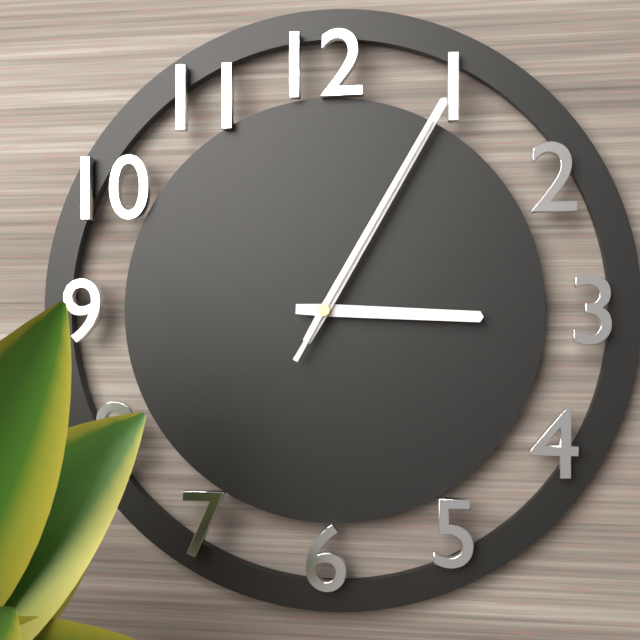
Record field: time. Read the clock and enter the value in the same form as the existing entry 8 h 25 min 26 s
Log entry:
3 h 05 min 05 s
